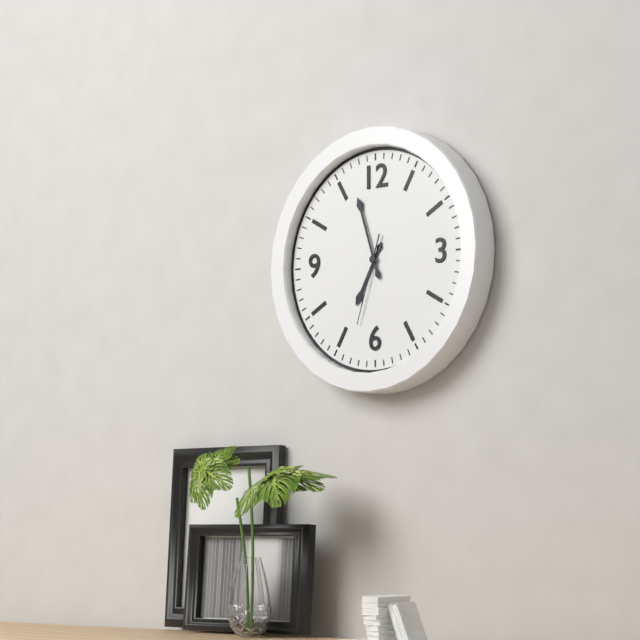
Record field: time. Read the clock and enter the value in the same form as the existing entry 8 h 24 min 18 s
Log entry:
6 h 57 min 33 s
